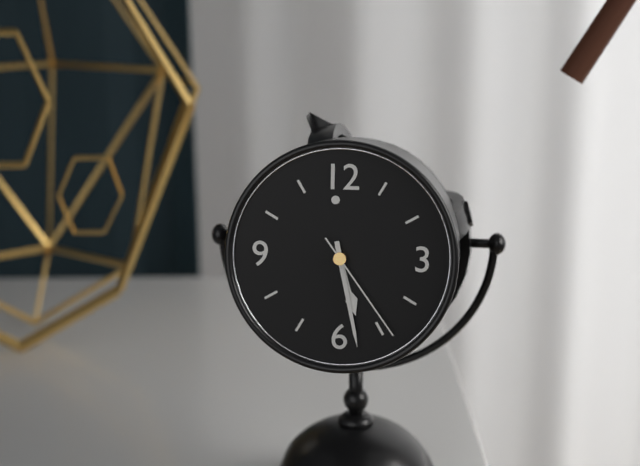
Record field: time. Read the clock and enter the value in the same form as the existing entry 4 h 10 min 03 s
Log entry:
5 h 28 min 24 s
